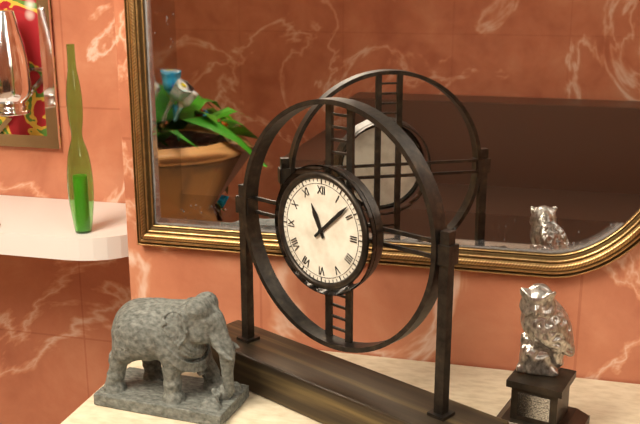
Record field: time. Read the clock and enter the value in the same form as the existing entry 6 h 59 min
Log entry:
11 h 08 min
